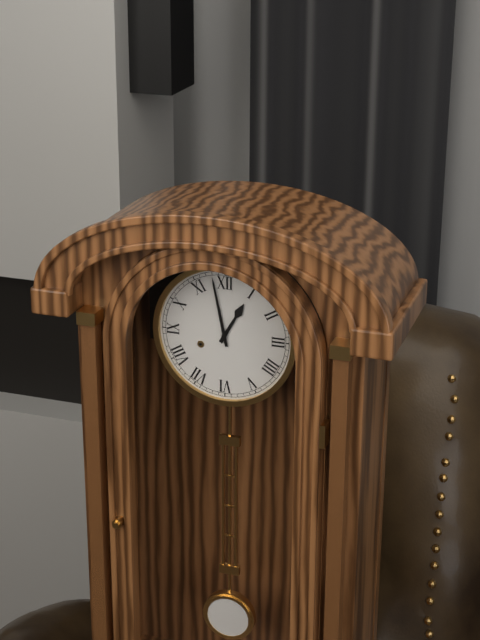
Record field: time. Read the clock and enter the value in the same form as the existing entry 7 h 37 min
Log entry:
12 h 58 min
